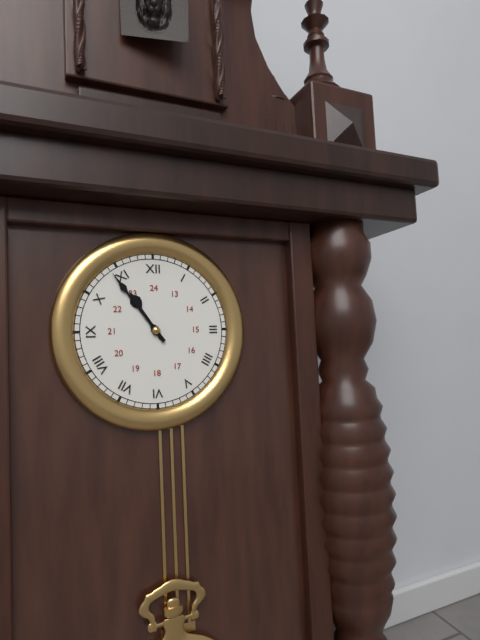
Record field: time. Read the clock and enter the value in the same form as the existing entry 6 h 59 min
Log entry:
10 h 54 min
